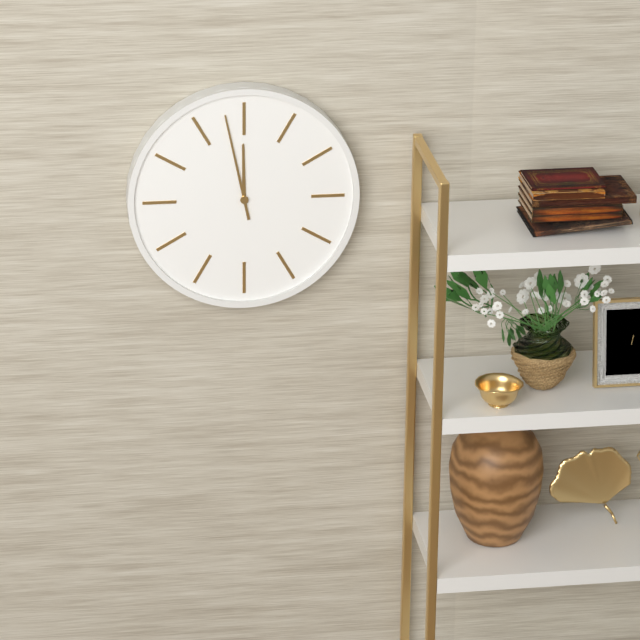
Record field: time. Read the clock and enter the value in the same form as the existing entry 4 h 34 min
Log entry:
11 h 58 min
